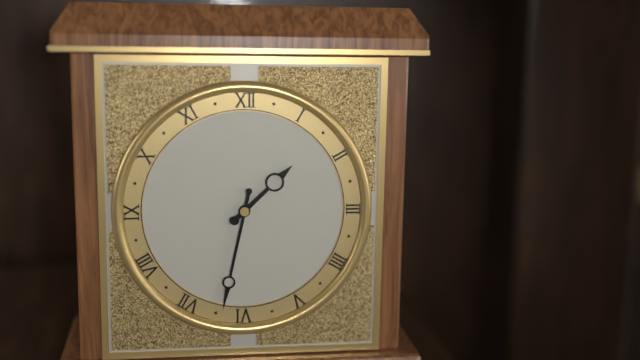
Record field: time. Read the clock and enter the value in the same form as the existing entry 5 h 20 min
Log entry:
1 h 32 min
